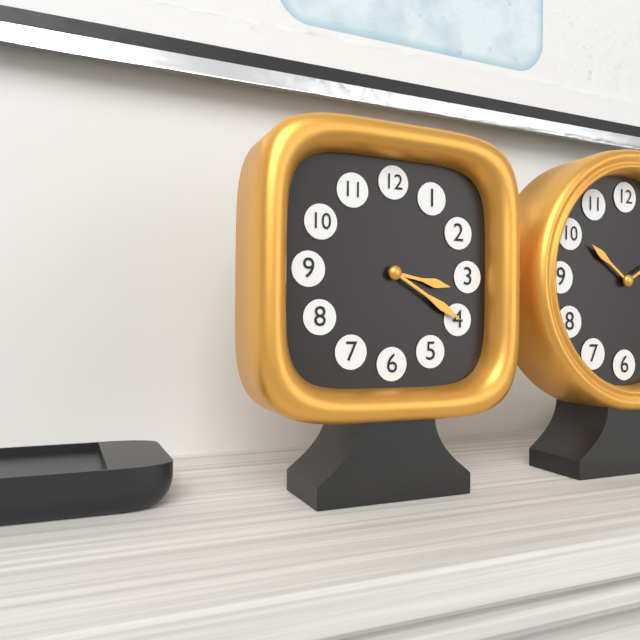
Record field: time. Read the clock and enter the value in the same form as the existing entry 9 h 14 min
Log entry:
3 h 20 min
